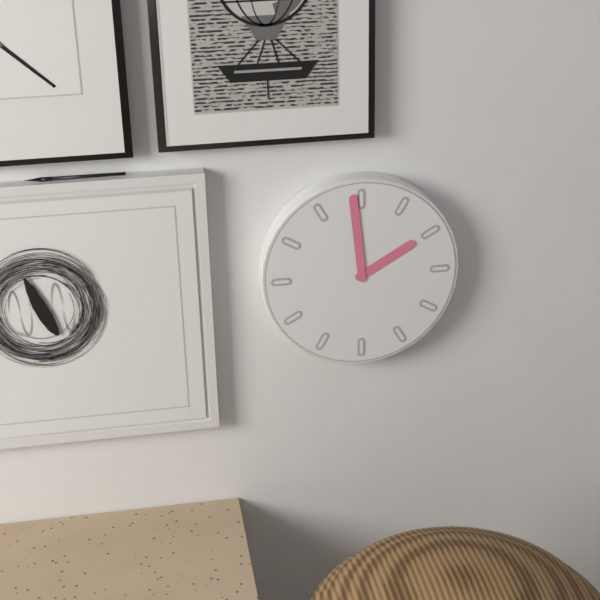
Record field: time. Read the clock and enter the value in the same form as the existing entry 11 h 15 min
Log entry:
1 h 59 min
